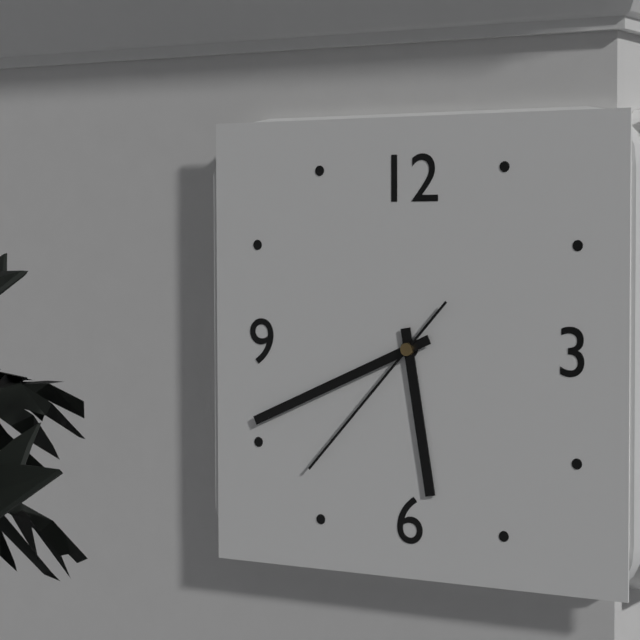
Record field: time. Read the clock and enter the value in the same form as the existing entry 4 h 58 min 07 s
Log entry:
5 h 41 min 37 s
